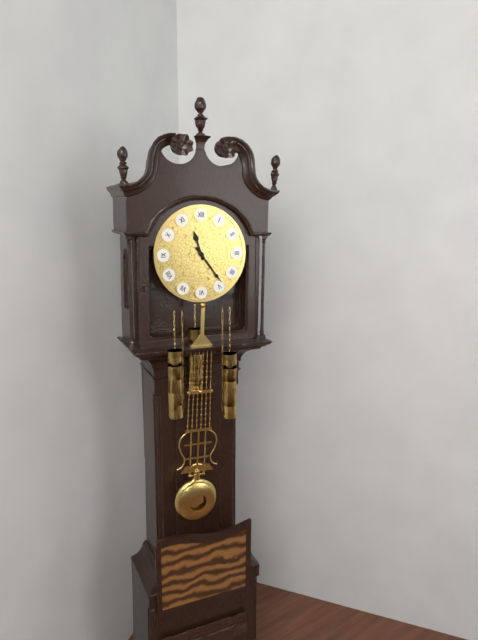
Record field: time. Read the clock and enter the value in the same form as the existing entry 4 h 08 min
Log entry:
11 h 24 min
